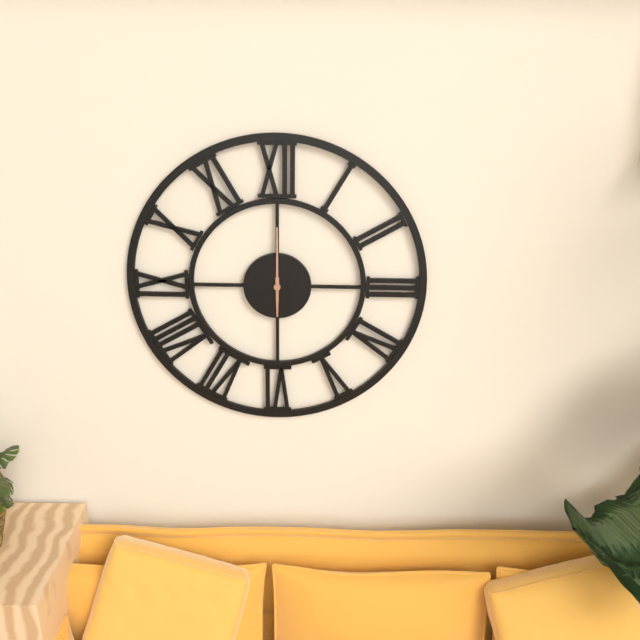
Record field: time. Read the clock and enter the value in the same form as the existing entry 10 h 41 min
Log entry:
6 h 00 min
